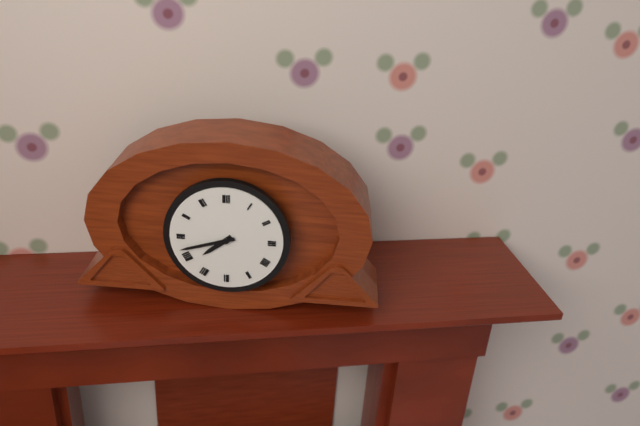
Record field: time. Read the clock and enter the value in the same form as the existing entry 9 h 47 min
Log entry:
7 h 42 min
